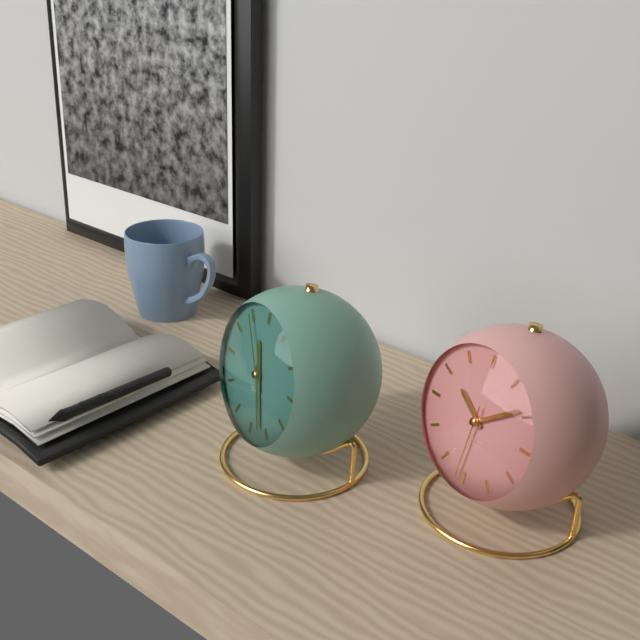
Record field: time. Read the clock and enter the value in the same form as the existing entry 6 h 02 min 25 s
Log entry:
11 h 27 min 55 s
